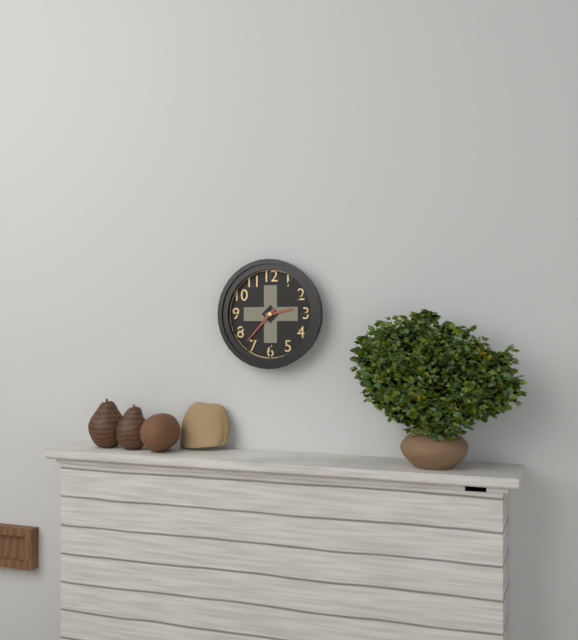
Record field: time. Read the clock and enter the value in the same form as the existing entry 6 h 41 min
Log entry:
2 h 37 min
